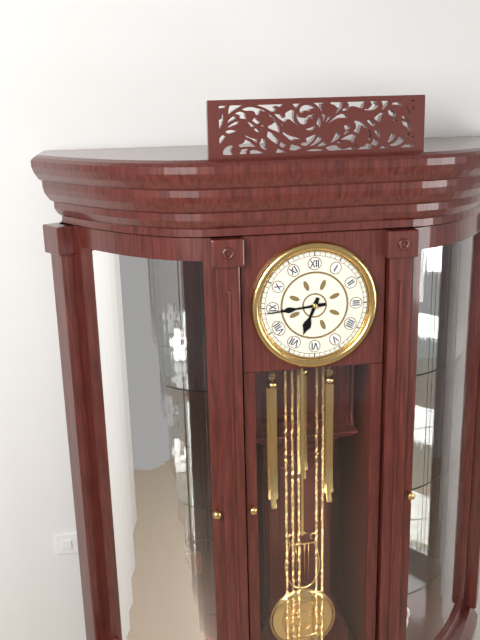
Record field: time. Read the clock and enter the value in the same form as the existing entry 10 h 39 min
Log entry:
6 h 44 min
